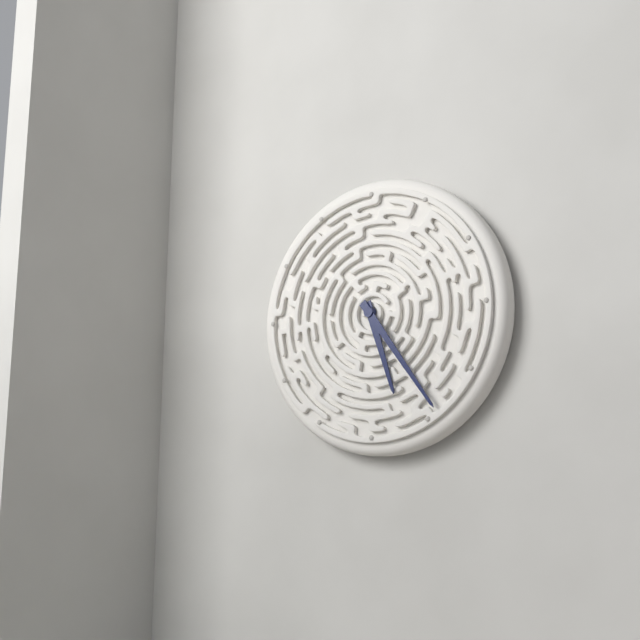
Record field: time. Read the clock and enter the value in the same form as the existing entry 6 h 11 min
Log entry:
5 h 24 min
